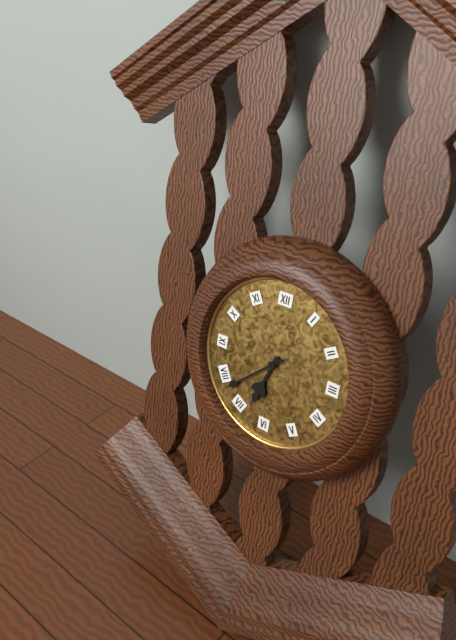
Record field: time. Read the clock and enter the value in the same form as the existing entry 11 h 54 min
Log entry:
6 h 38 min
